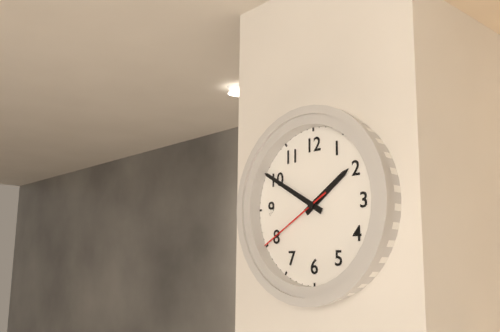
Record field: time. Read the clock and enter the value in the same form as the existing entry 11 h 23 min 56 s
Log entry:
1 h 50 min 40 s
